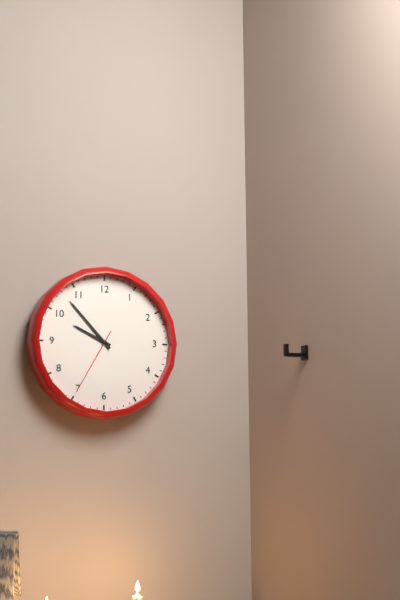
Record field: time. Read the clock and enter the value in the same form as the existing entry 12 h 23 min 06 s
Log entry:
9 h 53 min 35 s
